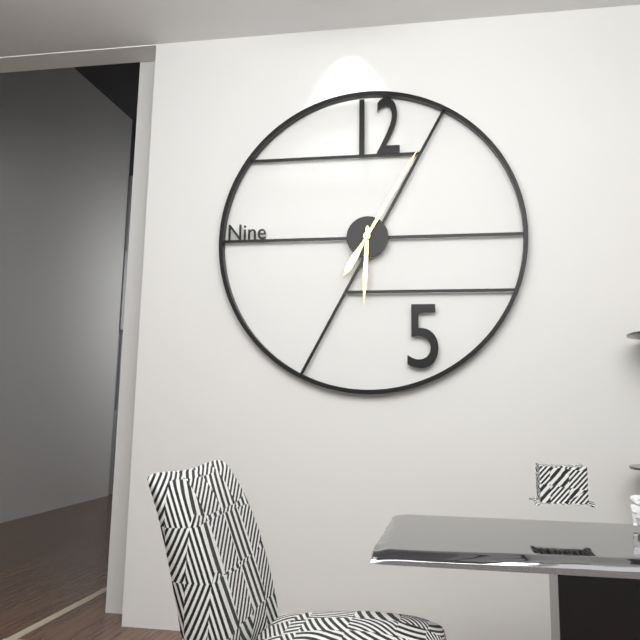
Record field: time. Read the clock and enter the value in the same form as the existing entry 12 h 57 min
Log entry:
6 h 05 min
